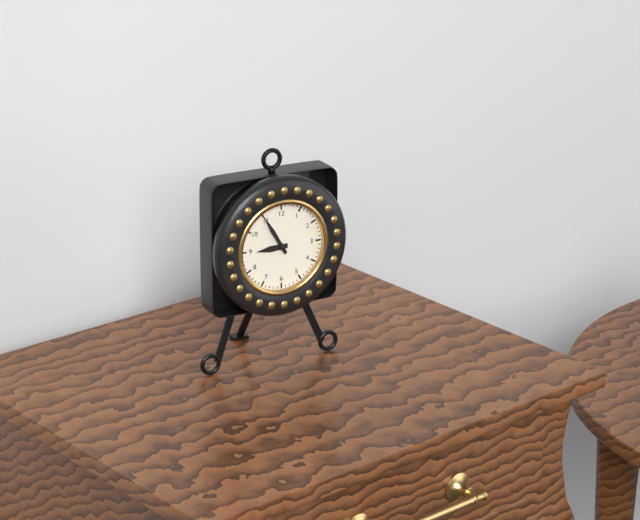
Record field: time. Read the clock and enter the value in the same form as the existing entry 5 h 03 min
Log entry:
8 h 55 min
